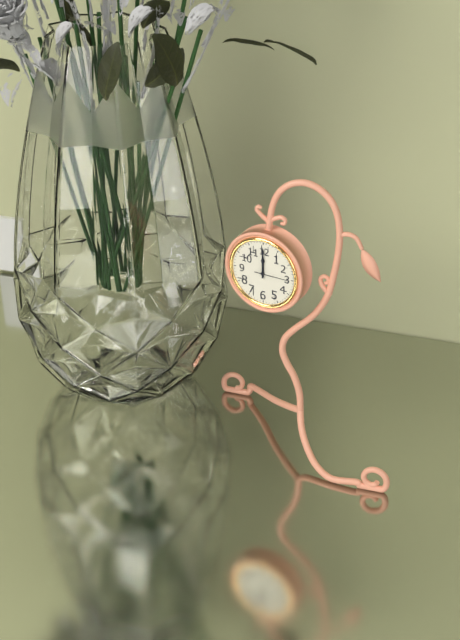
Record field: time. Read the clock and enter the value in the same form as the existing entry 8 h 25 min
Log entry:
12 h 00 min
